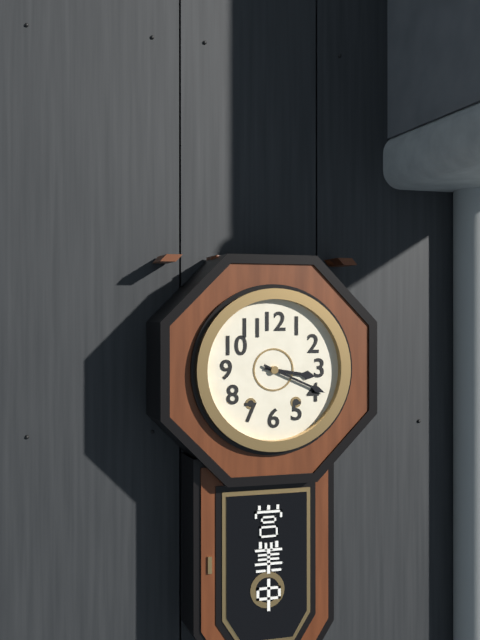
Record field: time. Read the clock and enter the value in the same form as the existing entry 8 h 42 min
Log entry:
3 h 19 min
